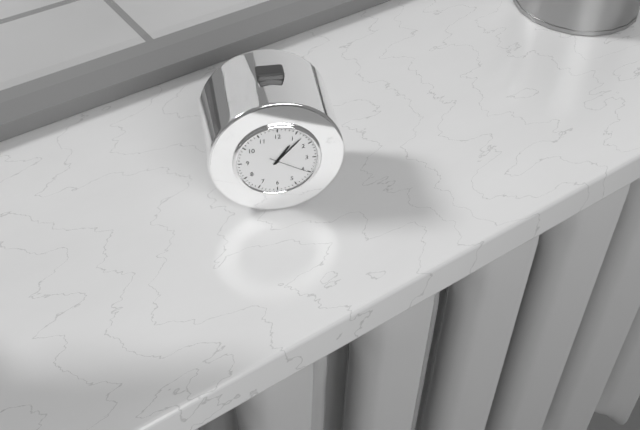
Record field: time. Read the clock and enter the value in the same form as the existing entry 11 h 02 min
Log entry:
1 h 07 min
